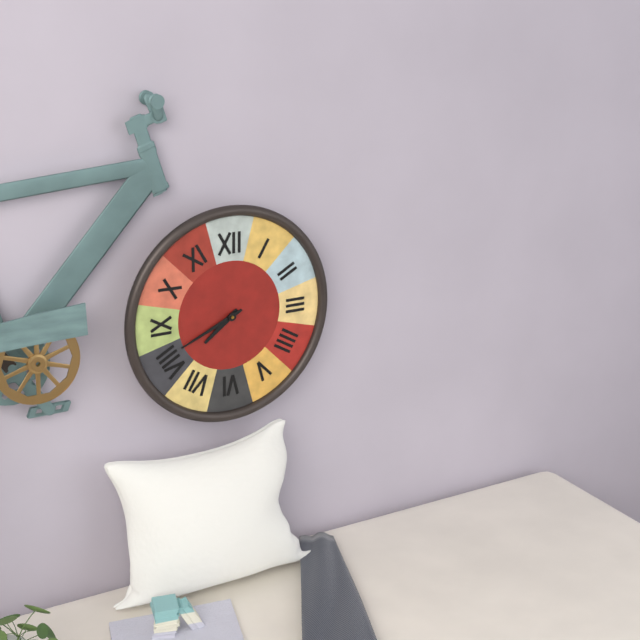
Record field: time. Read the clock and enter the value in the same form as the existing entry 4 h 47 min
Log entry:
7 h 41 min
